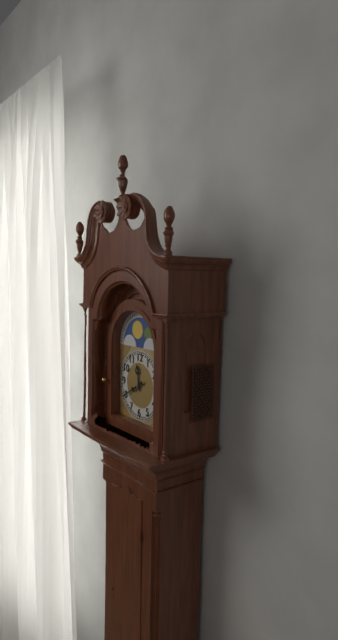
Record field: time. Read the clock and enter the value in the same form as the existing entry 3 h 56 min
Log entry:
11 h 40 min
